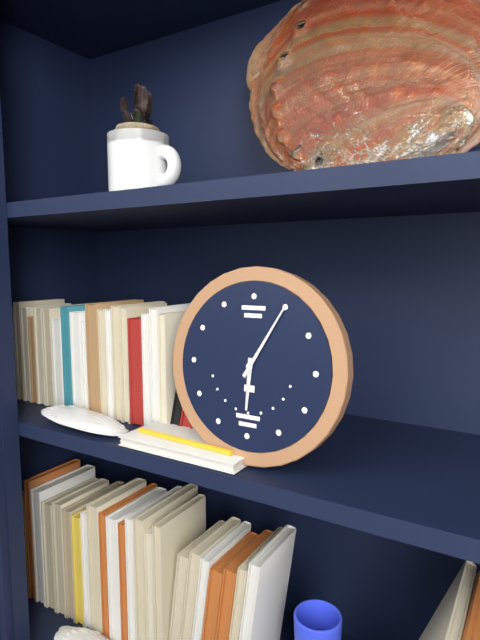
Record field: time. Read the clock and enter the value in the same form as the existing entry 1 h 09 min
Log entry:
6 h 05 min
